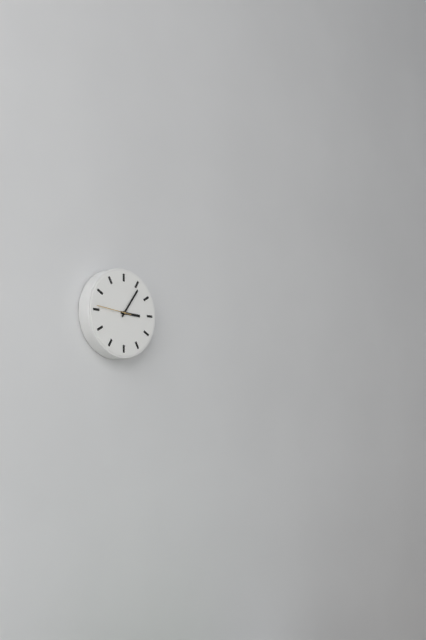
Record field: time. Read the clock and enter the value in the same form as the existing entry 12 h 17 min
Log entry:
3 h 06 min
